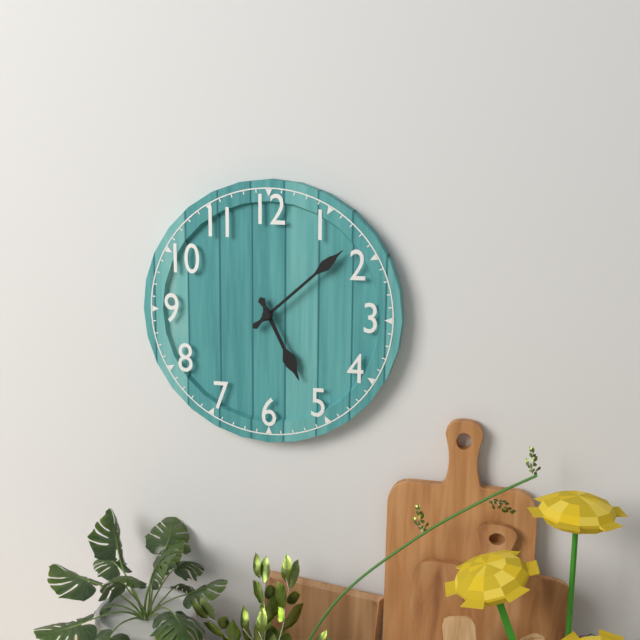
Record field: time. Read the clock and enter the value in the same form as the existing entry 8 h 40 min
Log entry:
5 h 08 min
